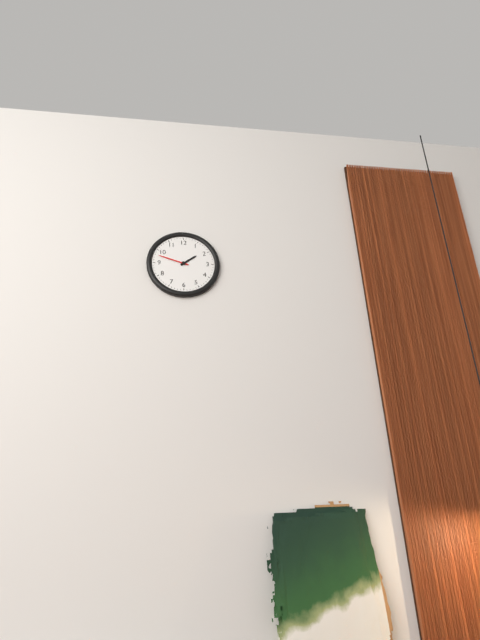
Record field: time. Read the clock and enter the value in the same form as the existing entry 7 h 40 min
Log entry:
1 h 48 min
